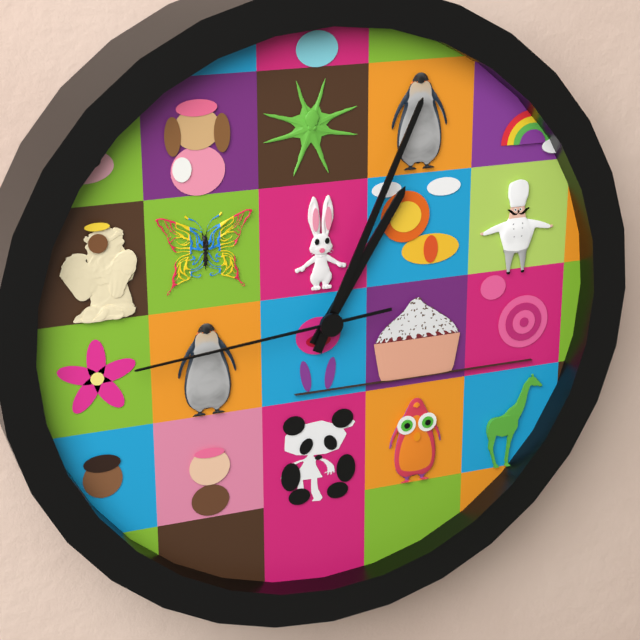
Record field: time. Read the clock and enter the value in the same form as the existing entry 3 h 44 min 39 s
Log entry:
1 h 04 min 44 s
